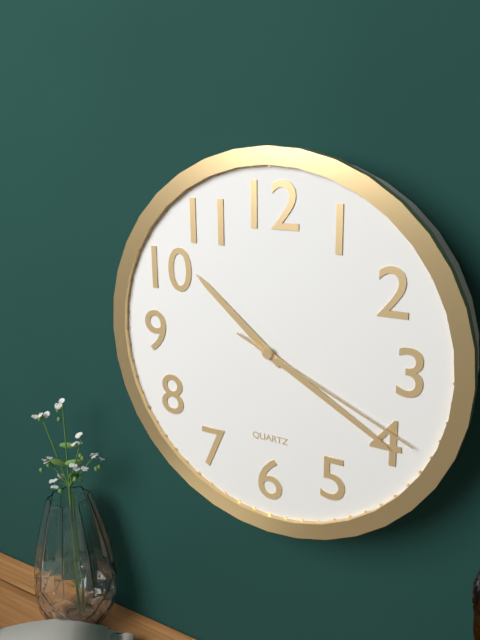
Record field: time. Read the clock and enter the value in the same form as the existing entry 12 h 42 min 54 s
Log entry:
10 h 20 min 19 s
